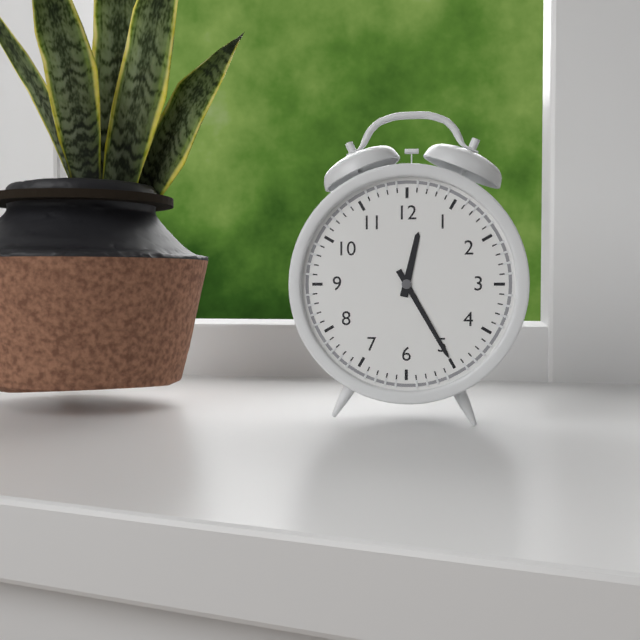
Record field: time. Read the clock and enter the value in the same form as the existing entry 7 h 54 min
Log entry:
12 h 25 min
